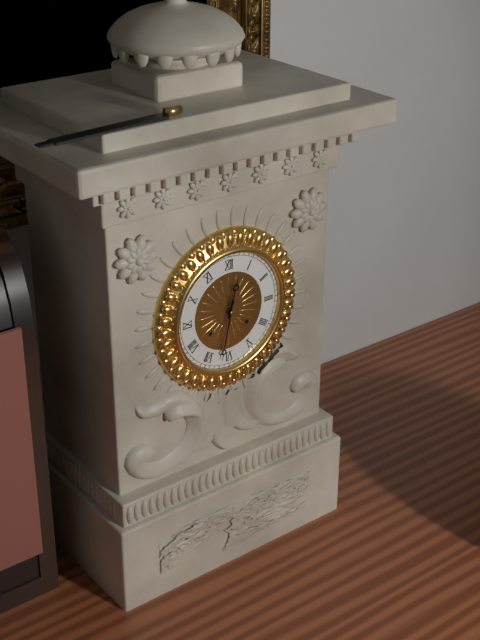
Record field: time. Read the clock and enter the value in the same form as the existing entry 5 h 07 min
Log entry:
12 h 32 min
